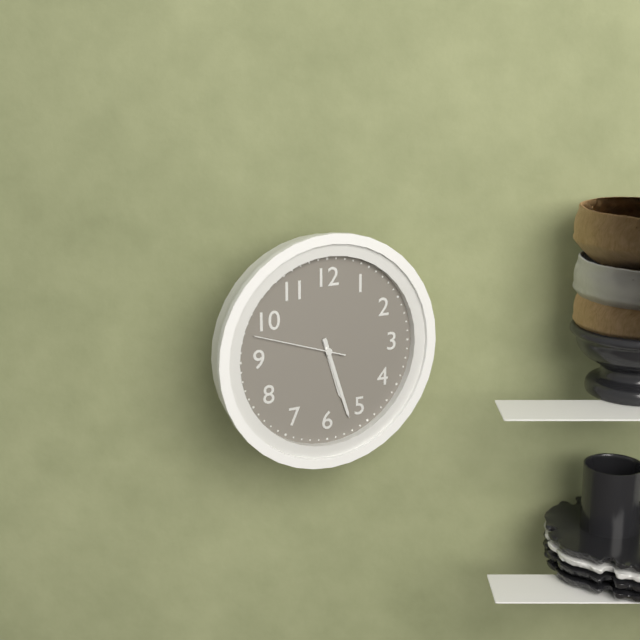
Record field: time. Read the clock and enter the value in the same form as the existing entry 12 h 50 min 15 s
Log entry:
5 h 27 min 48 s
